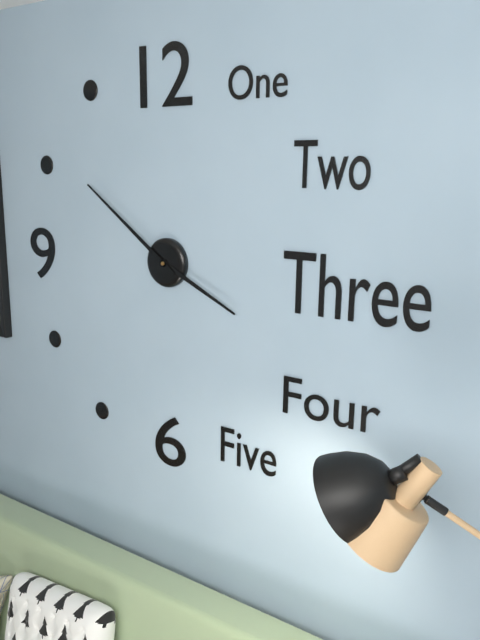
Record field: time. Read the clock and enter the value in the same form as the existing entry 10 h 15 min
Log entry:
3 h 51 min
